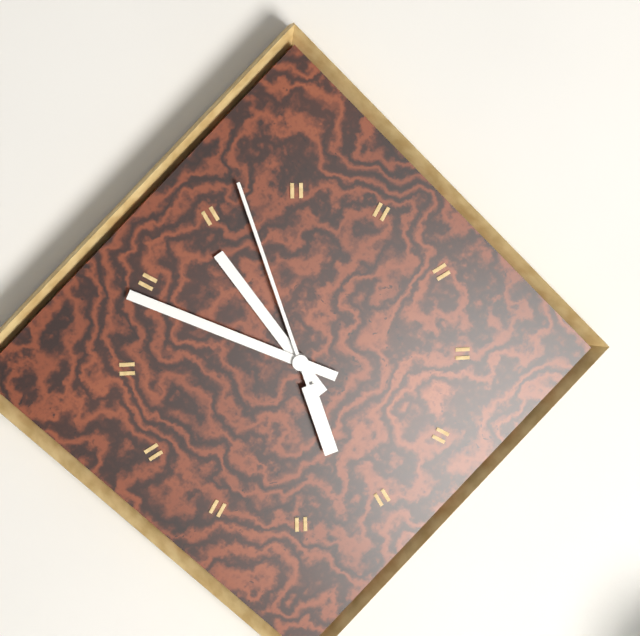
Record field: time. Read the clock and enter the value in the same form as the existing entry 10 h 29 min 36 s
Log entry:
10 h 49 min 57 s
